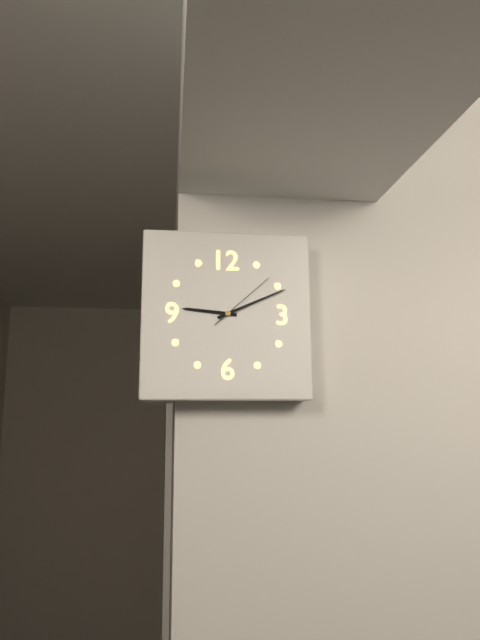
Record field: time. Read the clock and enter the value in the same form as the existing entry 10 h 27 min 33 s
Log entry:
9 h 11 min 08 s
